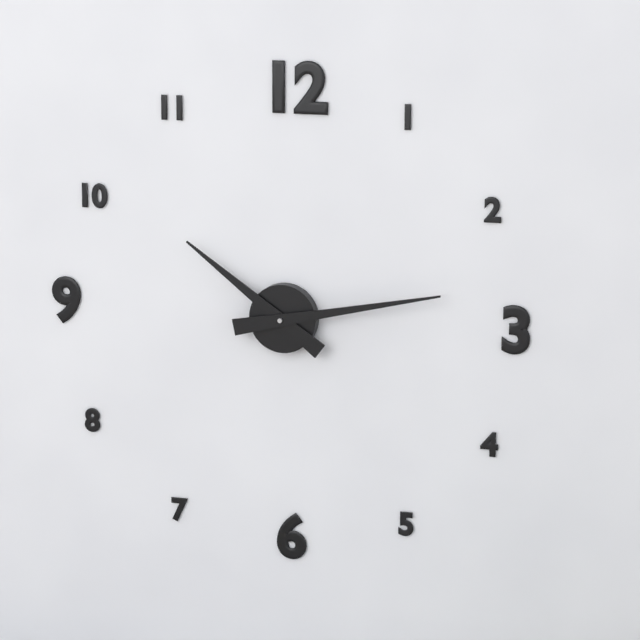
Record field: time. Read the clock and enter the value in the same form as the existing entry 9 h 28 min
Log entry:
10 h 13 min
